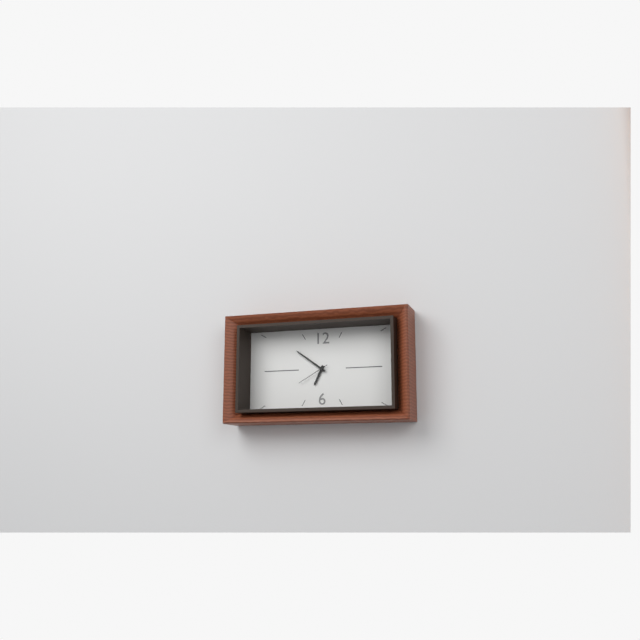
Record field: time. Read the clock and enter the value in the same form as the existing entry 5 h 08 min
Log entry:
6 h 51 min
